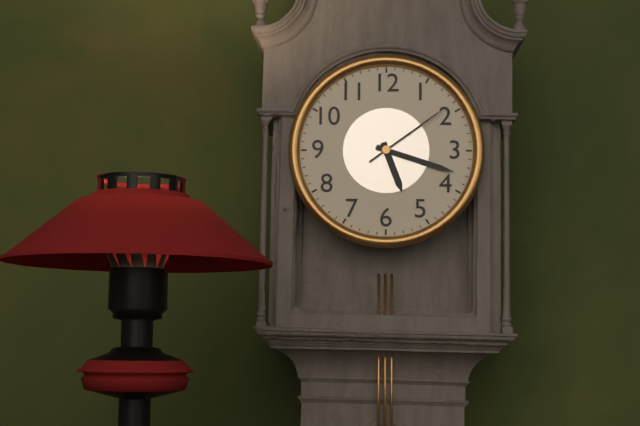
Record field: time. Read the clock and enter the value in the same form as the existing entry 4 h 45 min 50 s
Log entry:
5 h 18 min 09 s
